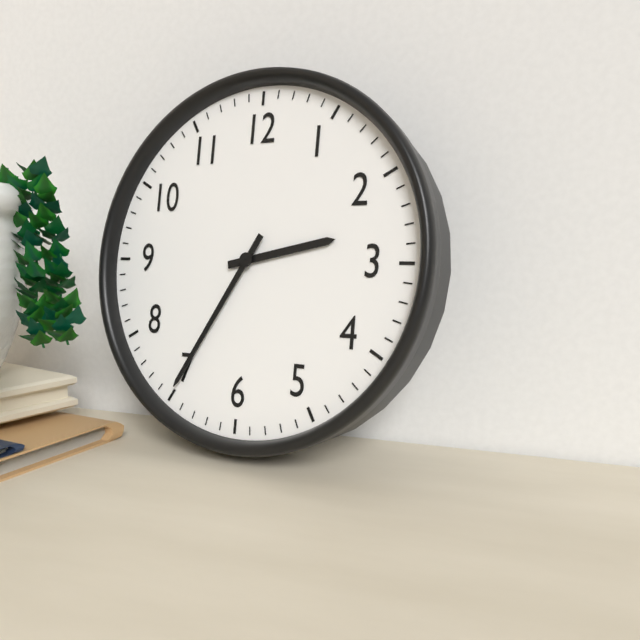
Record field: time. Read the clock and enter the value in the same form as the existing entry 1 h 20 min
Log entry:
2 h 35 min
